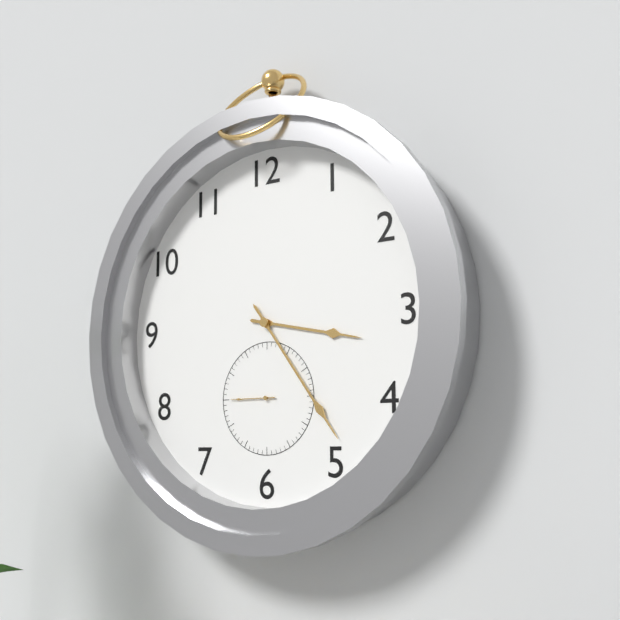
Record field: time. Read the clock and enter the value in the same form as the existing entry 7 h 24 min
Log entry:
3 h 24 min
